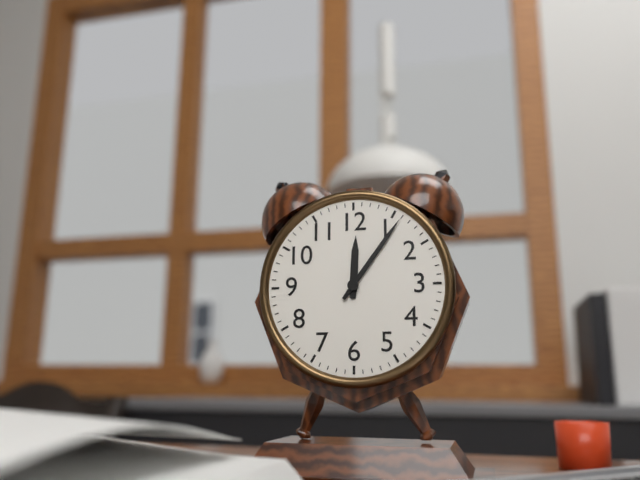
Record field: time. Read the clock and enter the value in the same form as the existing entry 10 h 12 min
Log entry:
12 h 06 min
